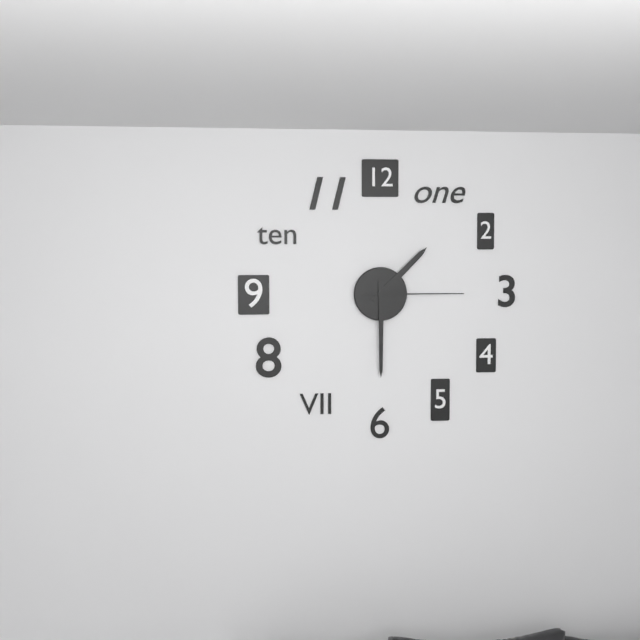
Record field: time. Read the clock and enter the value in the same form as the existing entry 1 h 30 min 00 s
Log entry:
1 h 30 min 15 s
